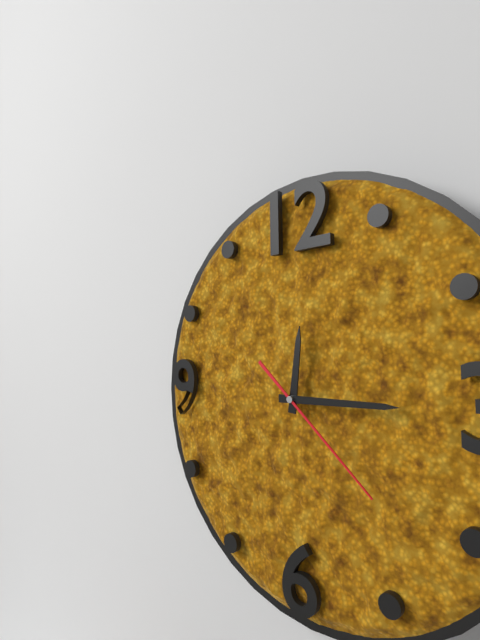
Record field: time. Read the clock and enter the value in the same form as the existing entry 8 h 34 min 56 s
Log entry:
12 h 15 min 22 s
